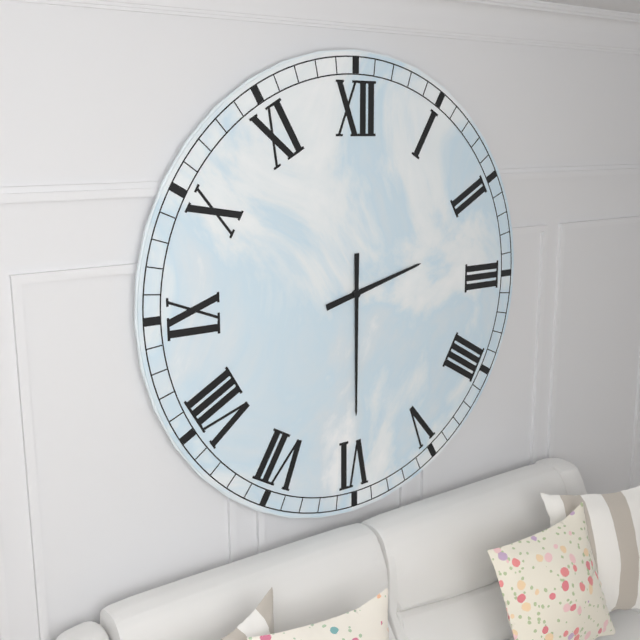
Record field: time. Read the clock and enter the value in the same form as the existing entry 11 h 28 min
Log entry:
2 h 30 min
